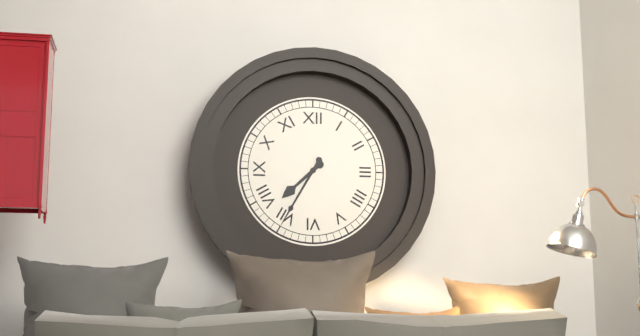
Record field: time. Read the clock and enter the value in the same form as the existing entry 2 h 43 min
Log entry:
7 h 35 min
